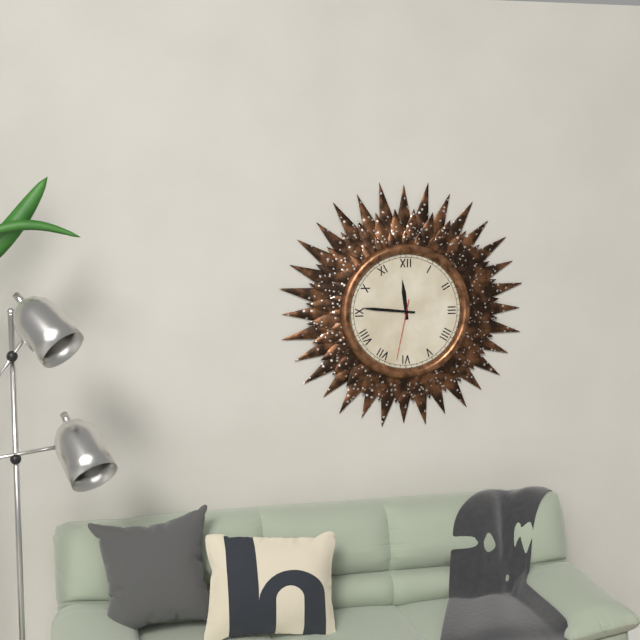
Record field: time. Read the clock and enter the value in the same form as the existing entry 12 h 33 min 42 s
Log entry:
11 h 46 min 32 s
